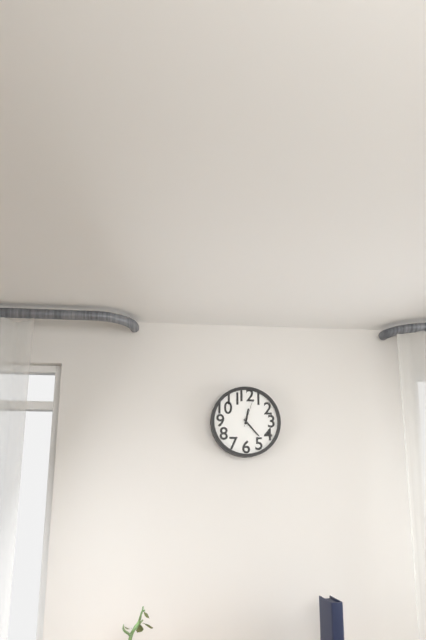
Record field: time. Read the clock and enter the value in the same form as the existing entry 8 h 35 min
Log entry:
12 h 23 min
